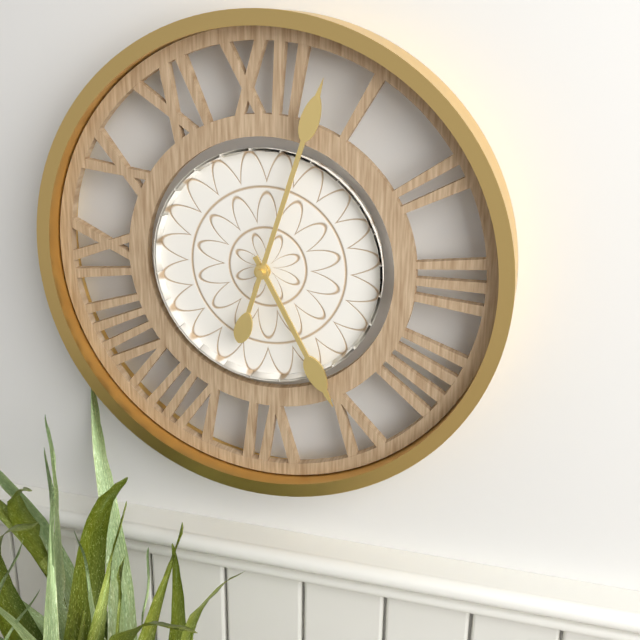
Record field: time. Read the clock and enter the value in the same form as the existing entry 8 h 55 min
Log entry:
5 h 03 min
